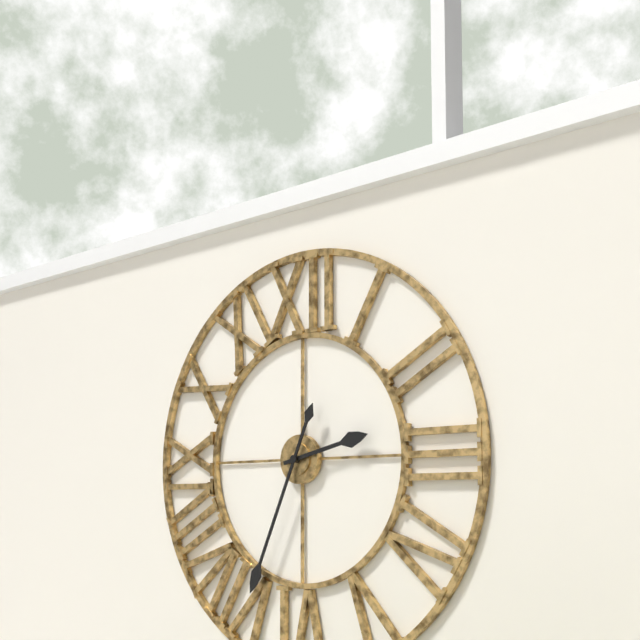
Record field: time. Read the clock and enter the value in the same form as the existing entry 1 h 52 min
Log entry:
2 h 34 min
